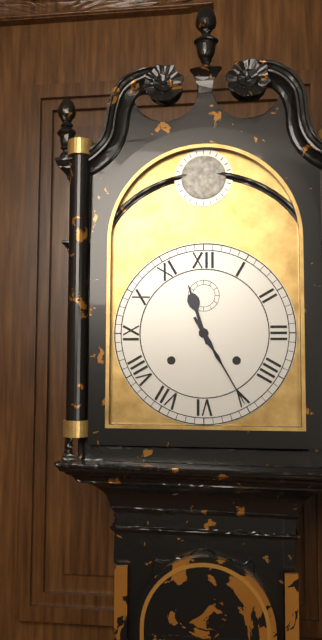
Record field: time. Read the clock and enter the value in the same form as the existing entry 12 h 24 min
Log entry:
11 h 25 min
